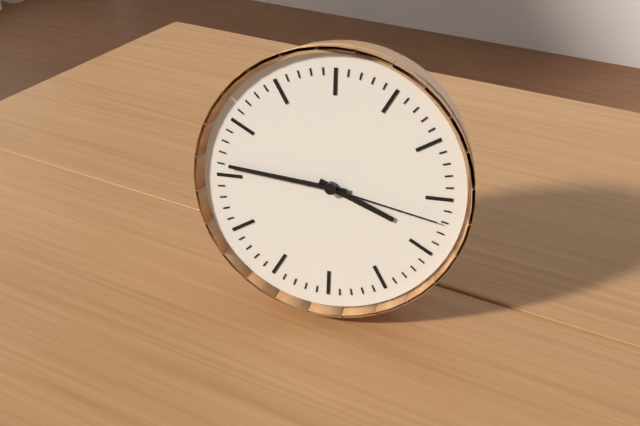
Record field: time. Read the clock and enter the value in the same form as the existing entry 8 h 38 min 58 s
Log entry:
3 h 46 min 17 s
